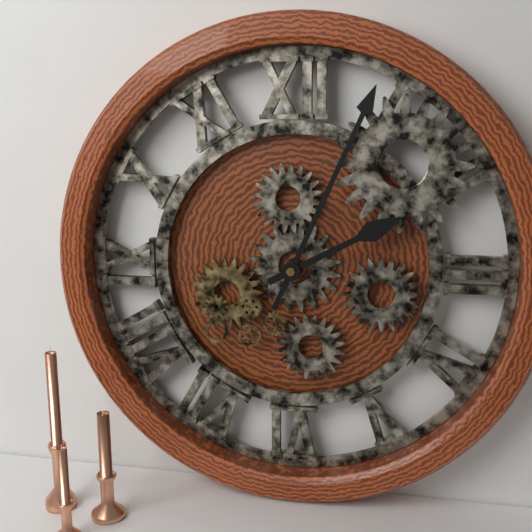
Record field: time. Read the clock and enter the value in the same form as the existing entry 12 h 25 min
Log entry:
2 h 04 min
